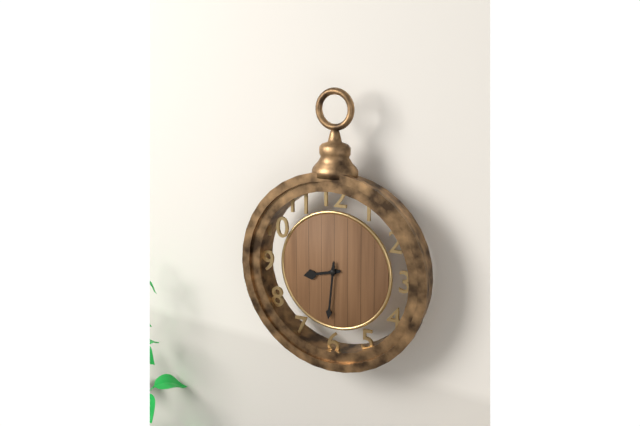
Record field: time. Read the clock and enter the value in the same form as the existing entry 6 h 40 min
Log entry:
8 h 31 min
